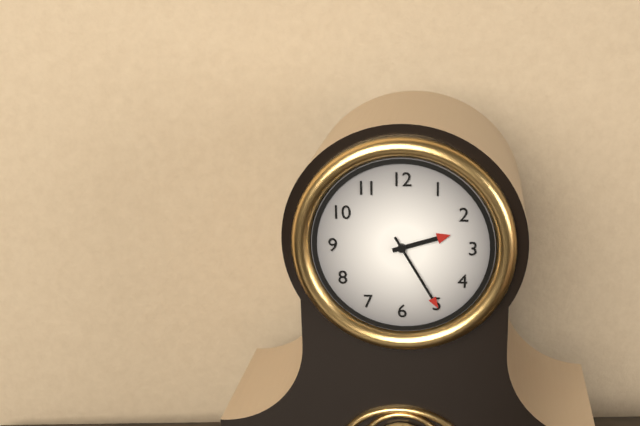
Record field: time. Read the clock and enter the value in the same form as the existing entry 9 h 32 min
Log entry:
2 h 25 min
